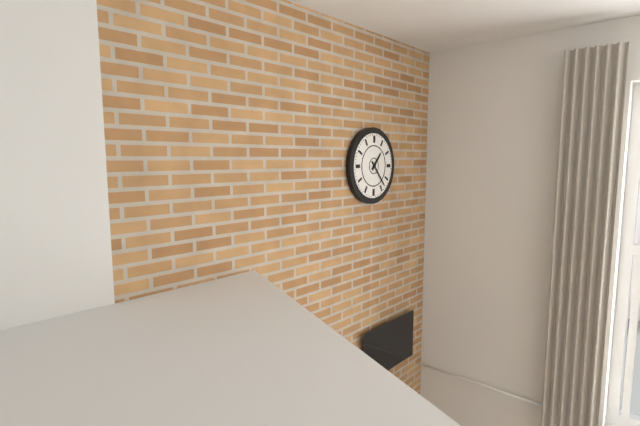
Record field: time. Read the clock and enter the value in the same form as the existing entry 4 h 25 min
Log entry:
1 h 23 min
